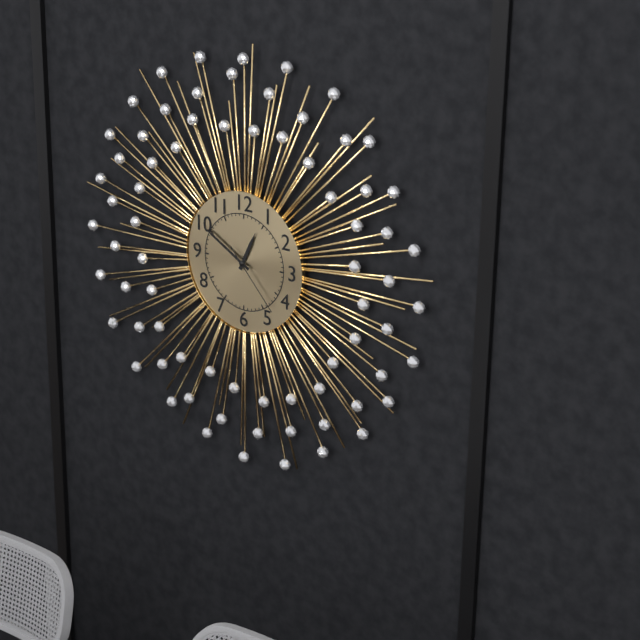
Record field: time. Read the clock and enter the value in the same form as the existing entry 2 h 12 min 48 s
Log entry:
12 h 50 min 23 s
